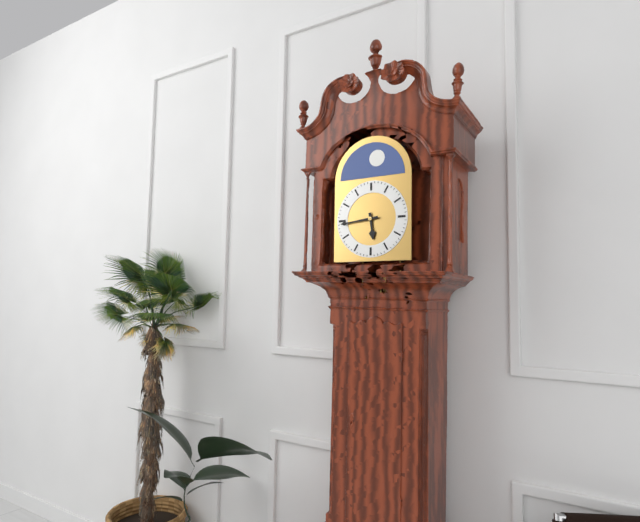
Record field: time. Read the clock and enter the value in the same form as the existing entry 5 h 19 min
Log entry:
5 h 44 min
